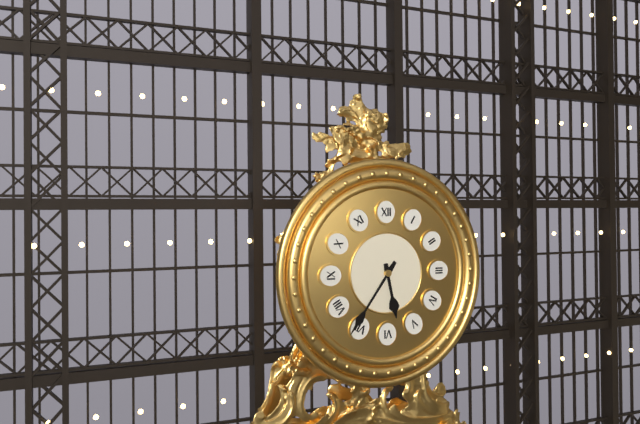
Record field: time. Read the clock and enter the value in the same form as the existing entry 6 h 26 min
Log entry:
5 h 36 min
